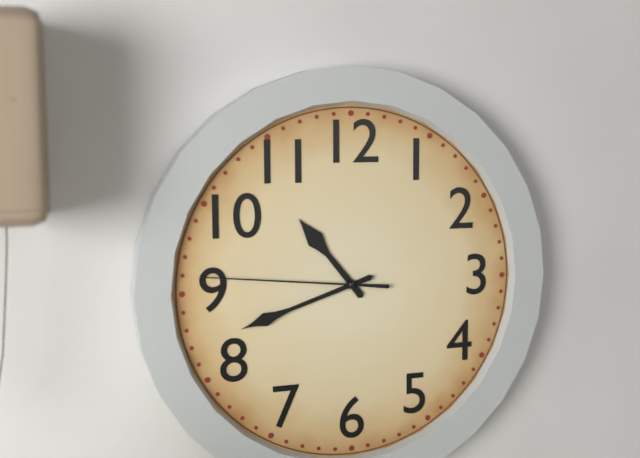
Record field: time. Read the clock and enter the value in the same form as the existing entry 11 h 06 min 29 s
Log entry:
10 h 42 min 46 s
